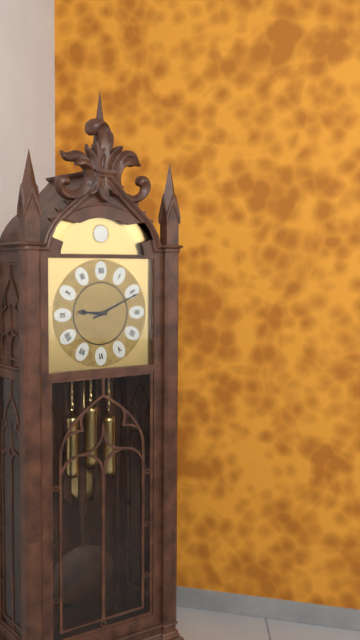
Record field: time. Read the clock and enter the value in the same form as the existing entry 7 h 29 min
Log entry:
9 h 11 min
